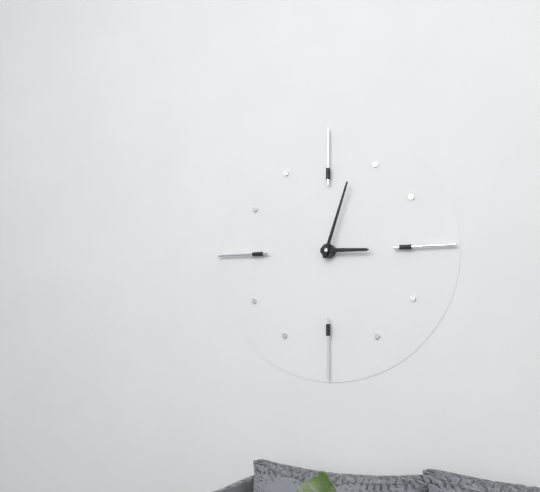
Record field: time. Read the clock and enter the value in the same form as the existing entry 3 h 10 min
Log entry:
3 h 03 min
